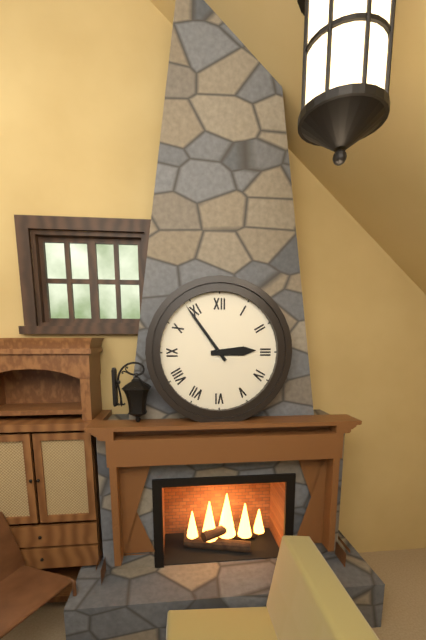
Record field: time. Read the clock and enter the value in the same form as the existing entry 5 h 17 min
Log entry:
2 h 54 min
